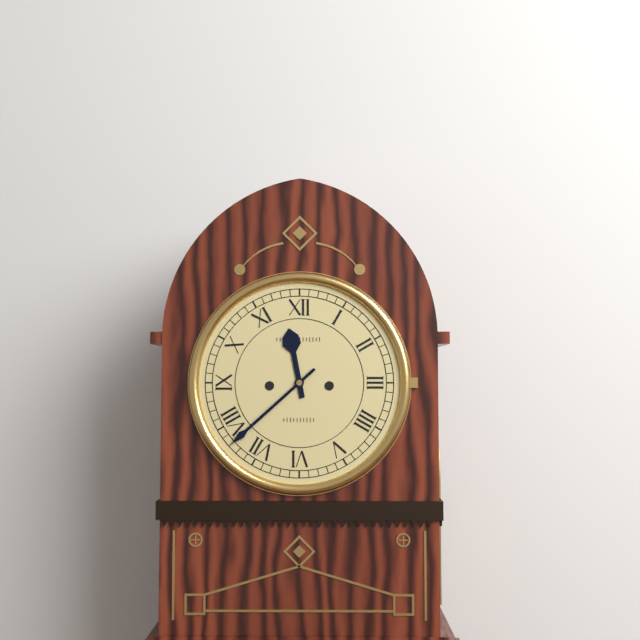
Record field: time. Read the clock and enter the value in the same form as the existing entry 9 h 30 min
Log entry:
11 h 38 min
